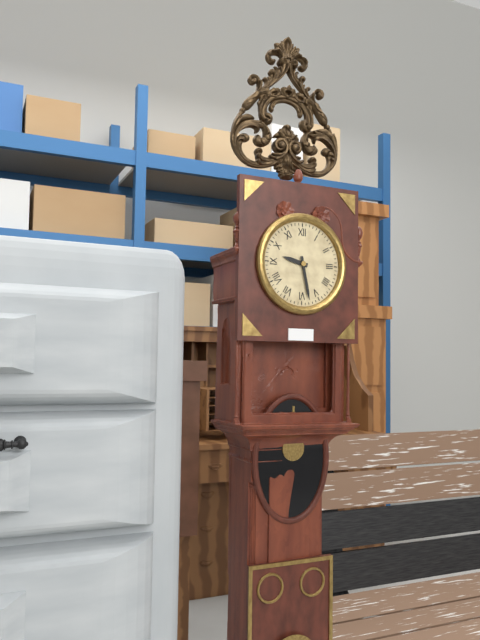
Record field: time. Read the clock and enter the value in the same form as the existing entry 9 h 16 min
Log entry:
9 h 28 min
